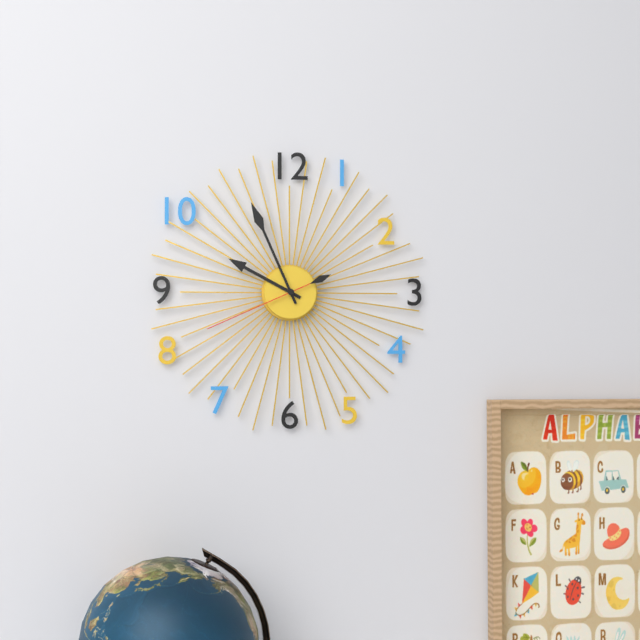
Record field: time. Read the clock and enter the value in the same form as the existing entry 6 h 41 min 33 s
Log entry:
9 h 56 min 41 s
